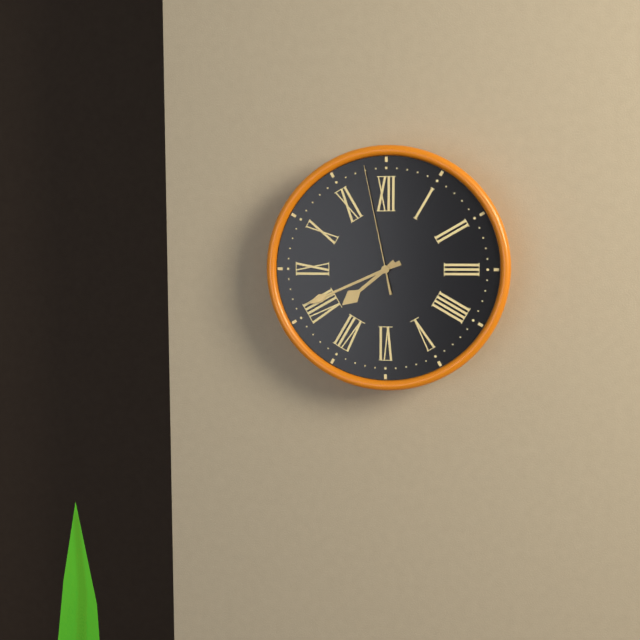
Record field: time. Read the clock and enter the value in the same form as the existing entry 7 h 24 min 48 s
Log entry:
7 h 41 min 58 s
